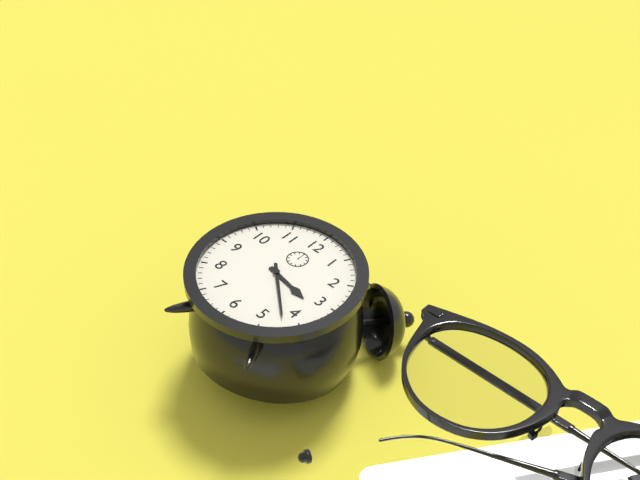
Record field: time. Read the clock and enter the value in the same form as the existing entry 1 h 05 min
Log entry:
3 h 22 min
